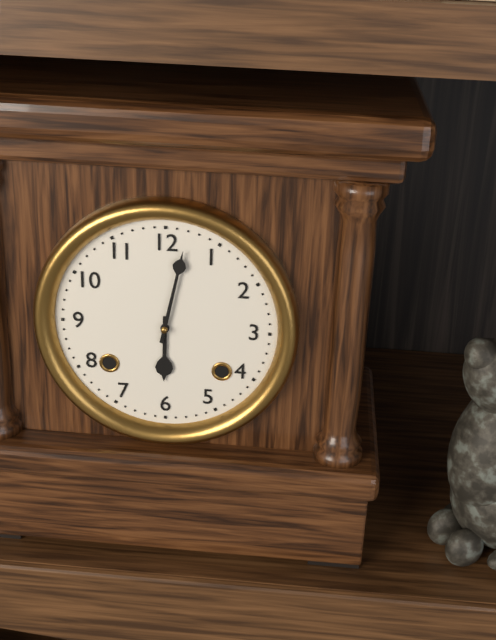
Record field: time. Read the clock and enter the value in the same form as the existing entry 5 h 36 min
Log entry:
6 h 02 min
